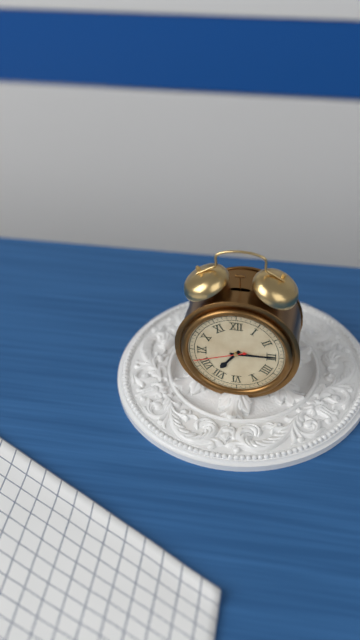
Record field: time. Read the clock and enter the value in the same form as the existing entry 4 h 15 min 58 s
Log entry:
7 h 15 min 42 s
